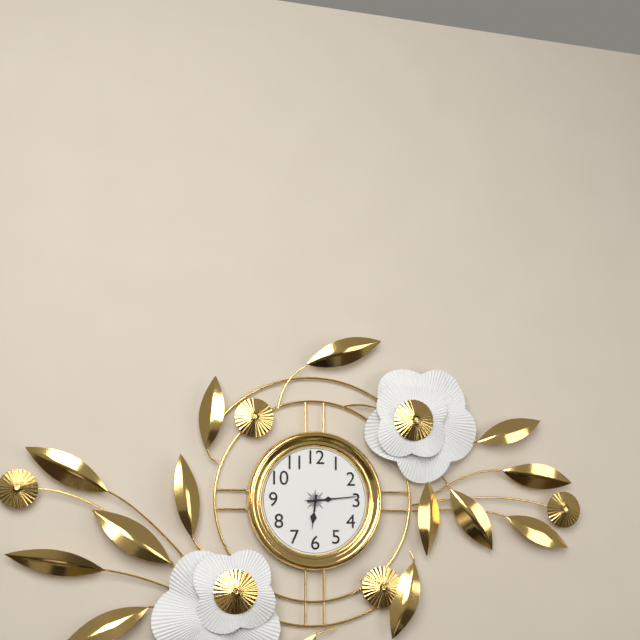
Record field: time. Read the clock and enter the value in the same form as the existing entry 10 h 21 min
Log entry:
6 h 14 min
